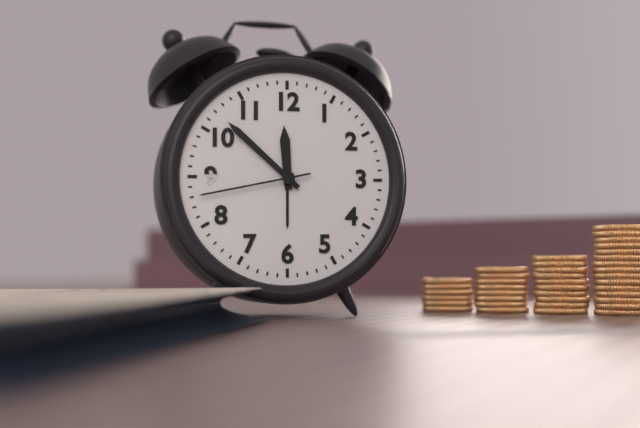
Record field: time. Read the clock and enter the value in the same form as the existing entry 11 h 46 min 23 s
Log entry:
11 h 52 min 43 s
